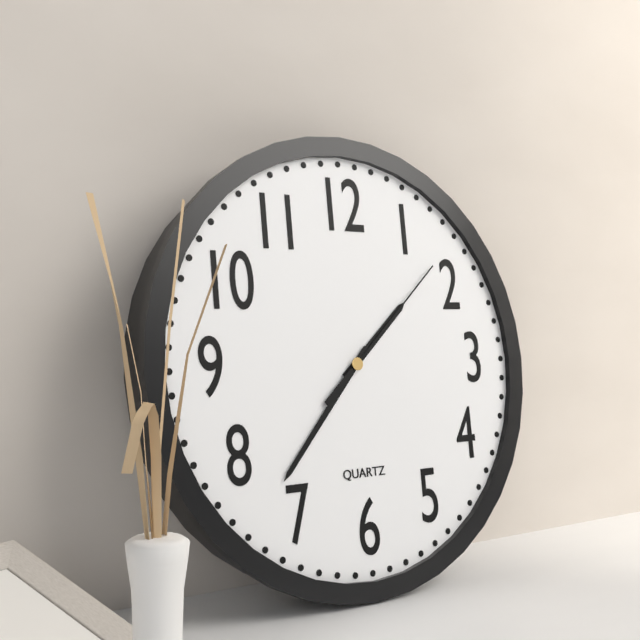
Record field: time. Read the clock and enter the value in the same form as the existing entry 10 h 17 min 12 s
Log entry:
1 h 37 min 08 s
